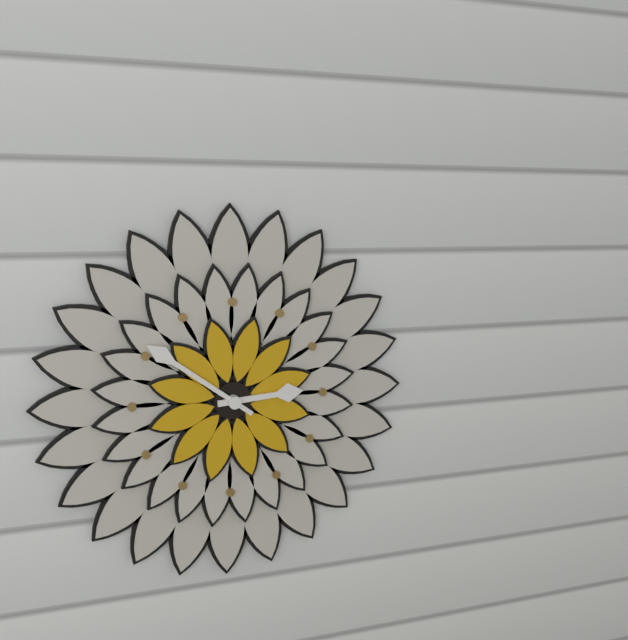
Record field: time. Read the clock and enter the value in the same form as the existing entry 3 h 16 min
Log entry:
2 h 51 min
